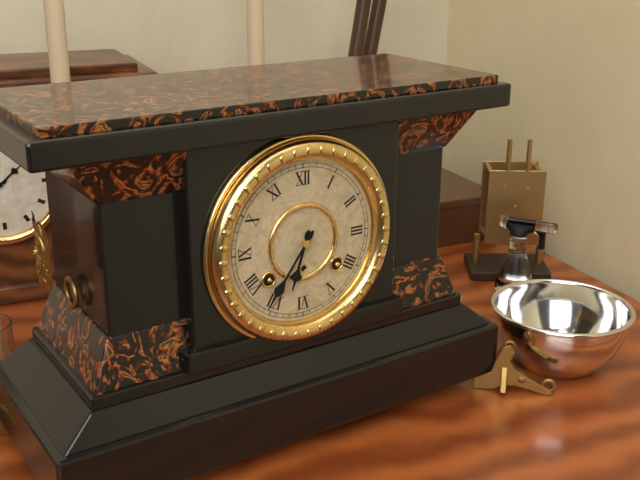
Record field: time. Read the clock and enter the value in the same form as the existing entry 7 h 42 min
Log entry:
6 h 36 min
